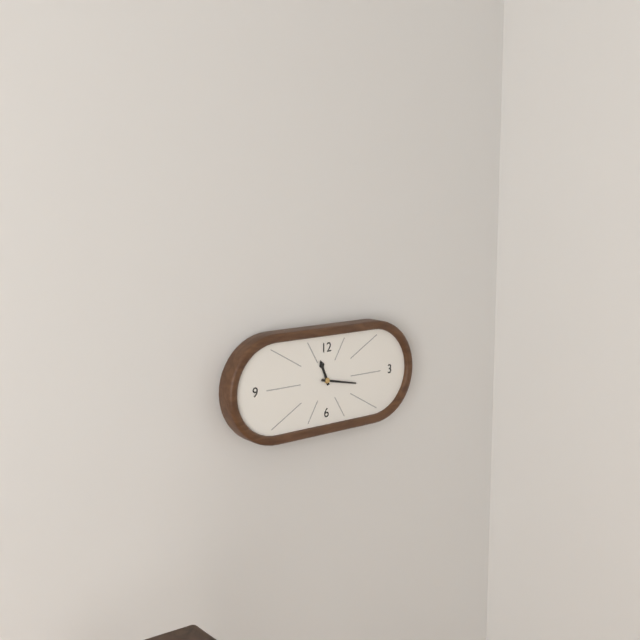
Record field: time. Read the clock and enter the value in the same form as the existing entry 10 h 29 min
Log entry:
11 h 17 min
